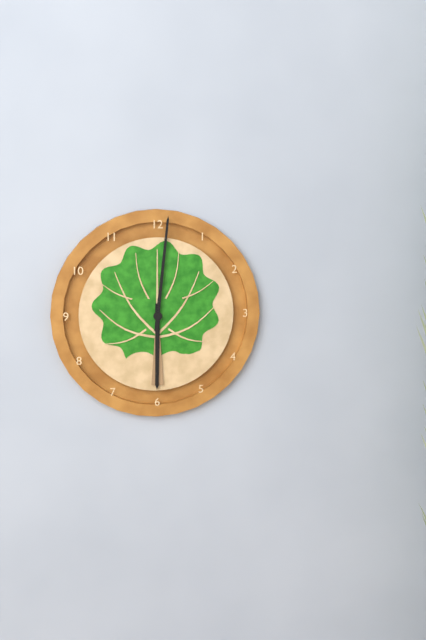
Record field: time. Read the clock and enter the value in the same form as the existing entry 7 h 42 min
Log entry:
6 h 01 min
